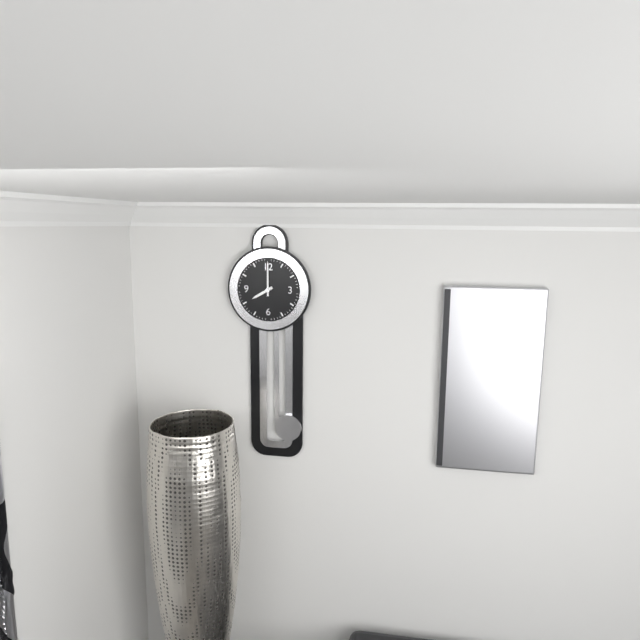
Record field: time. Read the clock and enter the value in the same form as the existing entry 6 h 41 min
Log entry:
8 h 00 min
